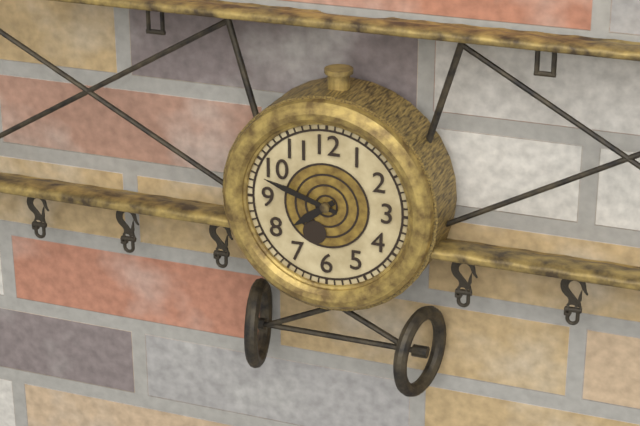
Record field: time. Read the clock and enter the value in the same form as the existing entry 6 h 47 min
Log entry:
7 h 48 min
